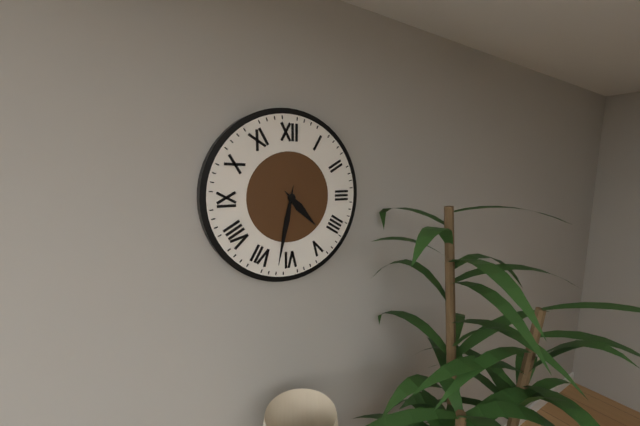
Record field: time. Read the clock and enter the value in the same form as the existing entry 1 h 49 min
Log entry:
4 h 32 min
